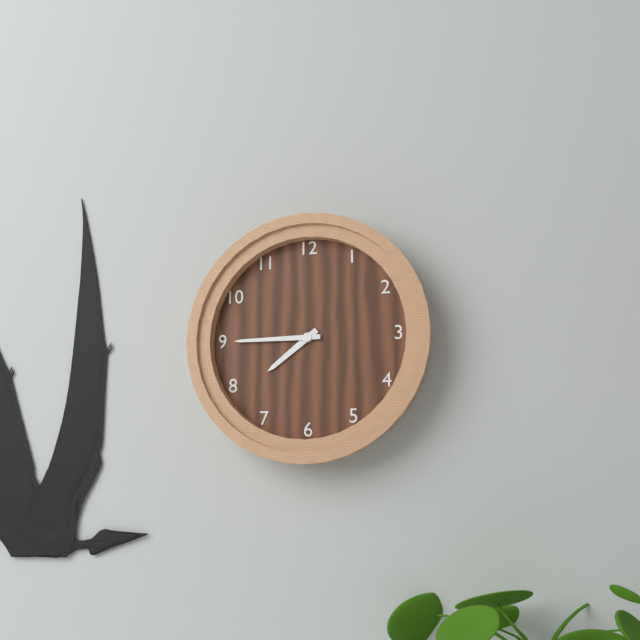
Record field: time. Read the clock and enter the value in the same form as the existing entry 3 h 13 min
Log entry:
7 h 45 min
